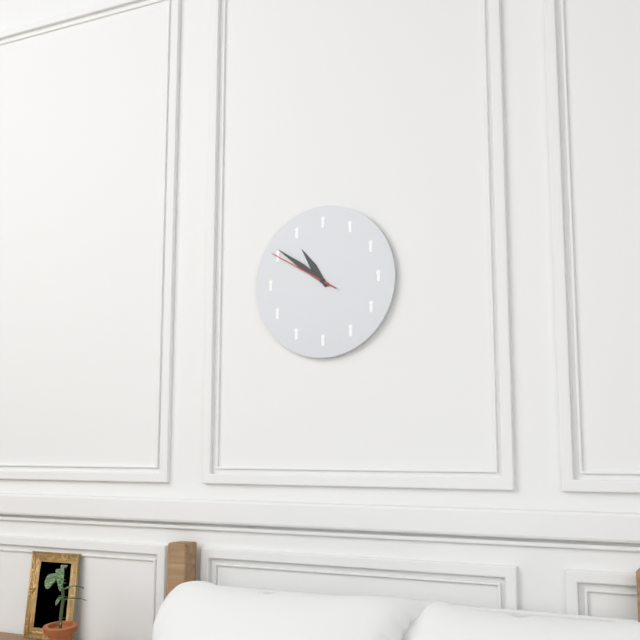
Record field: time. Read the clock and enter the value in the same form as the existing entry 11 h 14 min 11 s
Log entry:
10 h 51 min 50 s
